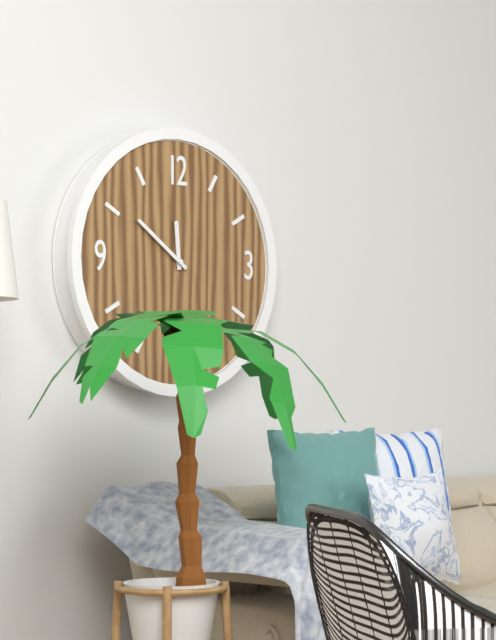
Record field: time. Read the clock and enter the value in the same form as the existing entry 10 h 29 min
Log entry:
11 h 51 min
